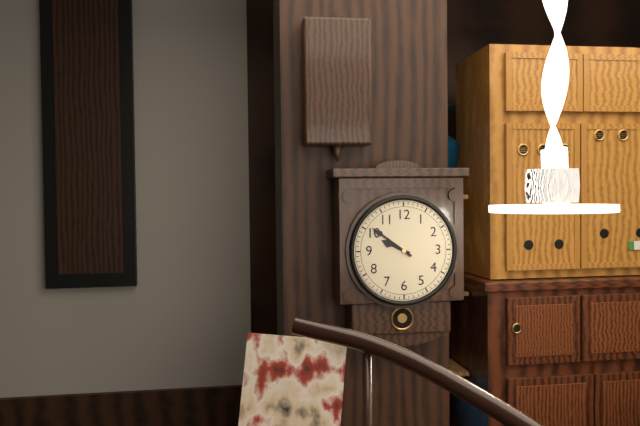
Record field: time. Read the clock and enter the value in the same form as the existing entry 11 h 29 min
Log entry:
9 h 51 min
